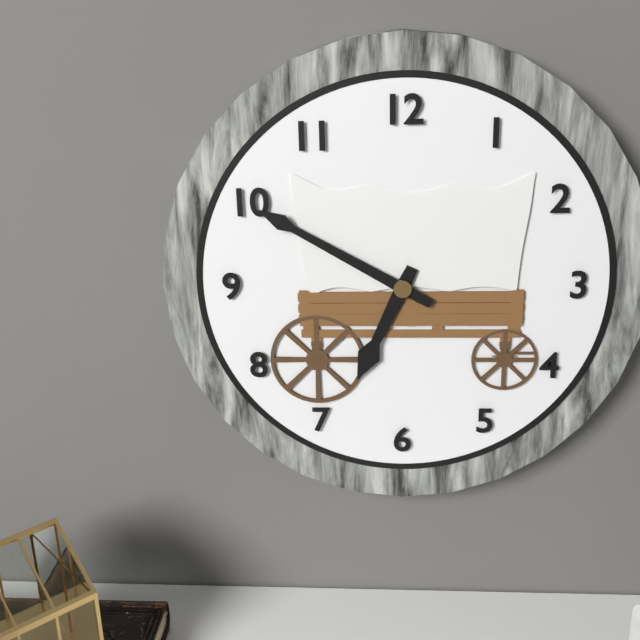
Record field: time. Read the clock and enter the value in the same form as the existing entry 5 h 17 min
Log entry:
6 h 50 min
